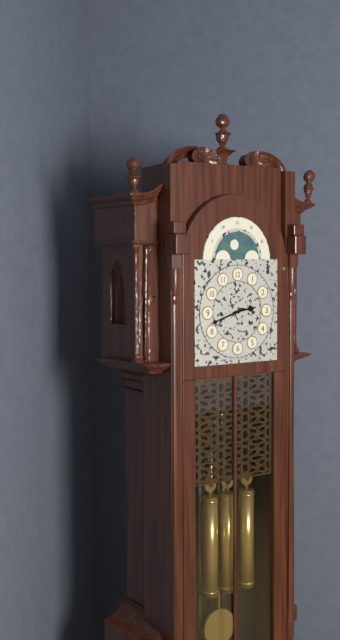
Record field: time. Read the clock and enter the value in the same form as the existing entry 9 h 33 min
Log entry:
2 h 42 min
